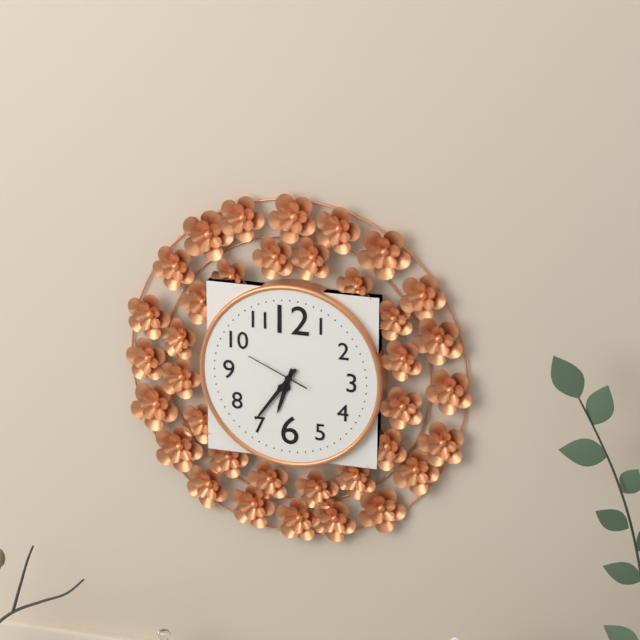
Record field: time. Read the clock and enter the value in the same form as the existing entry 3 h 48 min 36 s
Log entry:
6 h 36 min 49 s
